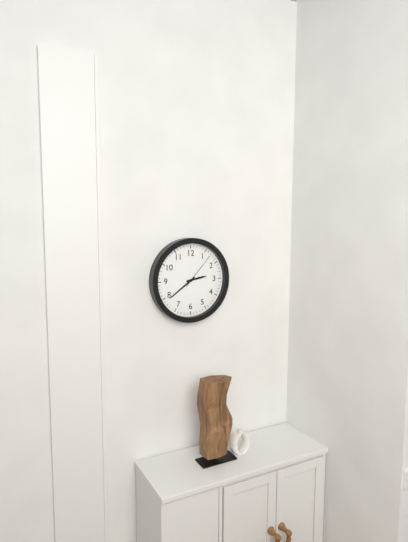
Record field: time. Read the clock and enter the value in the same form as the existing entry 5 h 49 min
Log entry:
2 h 39 min
